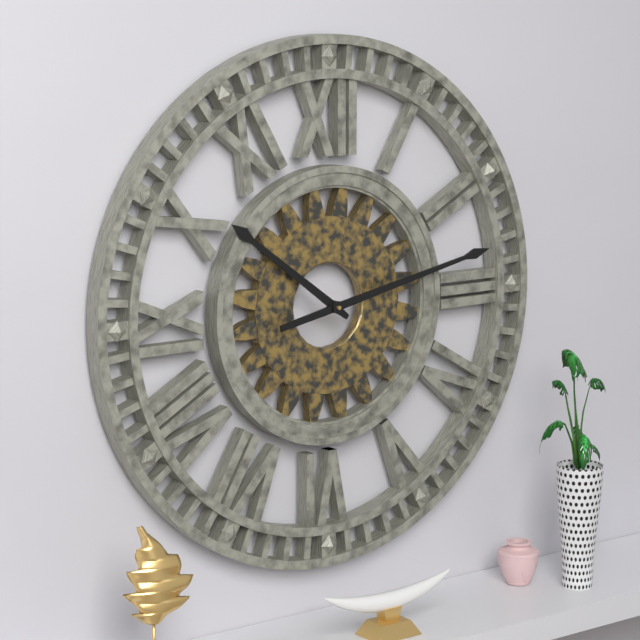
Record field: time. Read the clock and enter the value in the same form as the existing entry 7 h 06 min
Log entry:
10 h 13 min
